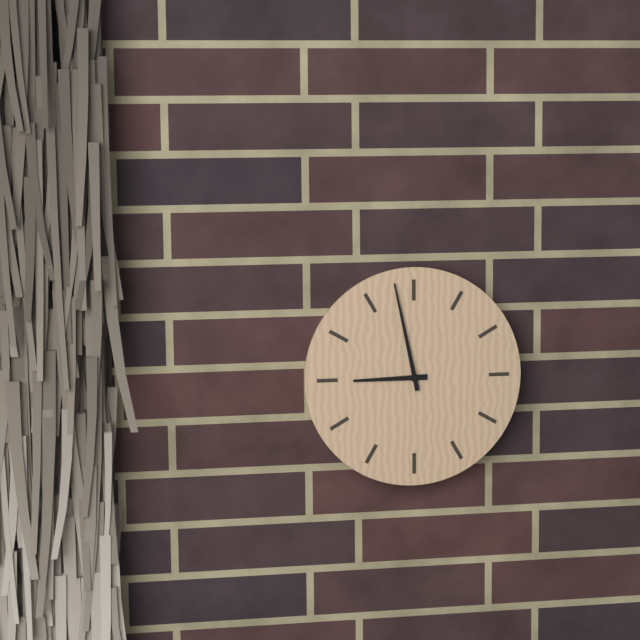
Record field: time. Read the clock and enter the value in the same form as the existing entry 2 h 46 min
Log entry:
8 h 58 min
